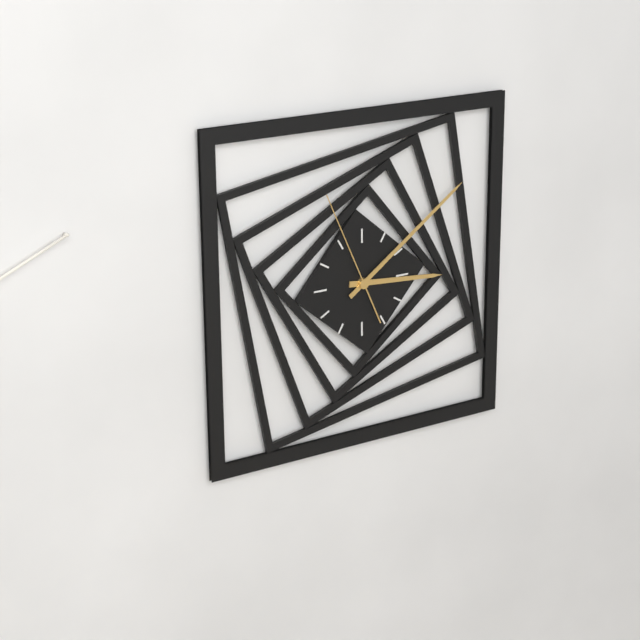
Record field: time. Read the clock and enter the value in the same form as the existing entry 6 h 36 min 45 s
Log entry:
3 h 09 min 56 s
